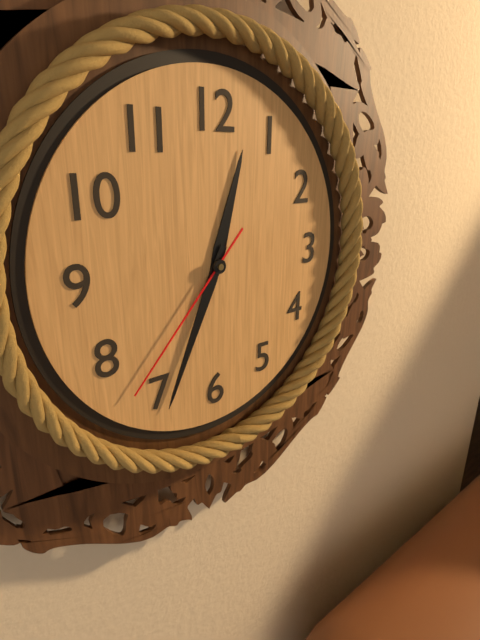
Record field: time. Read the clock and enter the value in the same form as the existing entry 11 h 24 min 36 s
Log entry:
12 h 34 min 37 s
